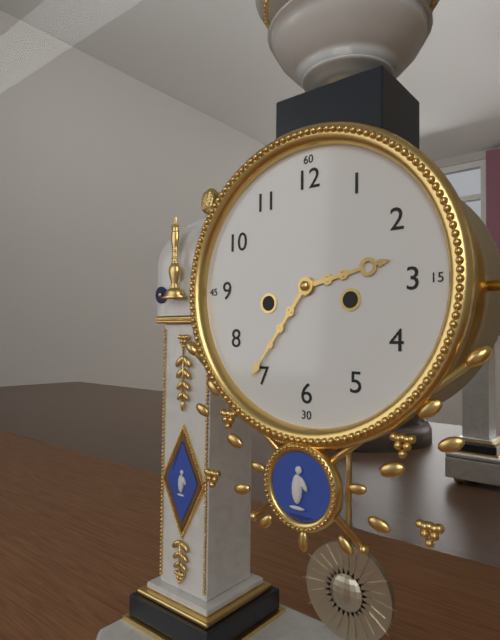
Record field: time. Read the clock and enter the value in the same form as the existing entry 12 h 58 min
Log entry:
2 h 36 min
